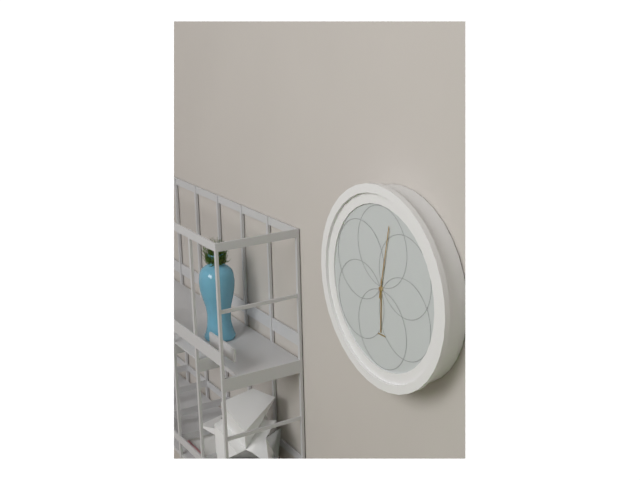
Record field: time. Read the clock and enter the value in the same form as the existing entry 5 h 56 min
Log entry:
6 h 02 min
